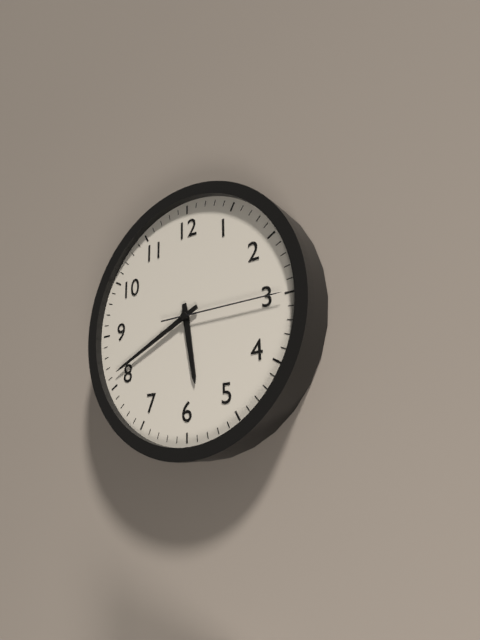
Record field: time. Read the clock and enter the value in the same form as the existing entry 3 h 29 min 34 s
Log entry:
5 h 41 min 15 s
